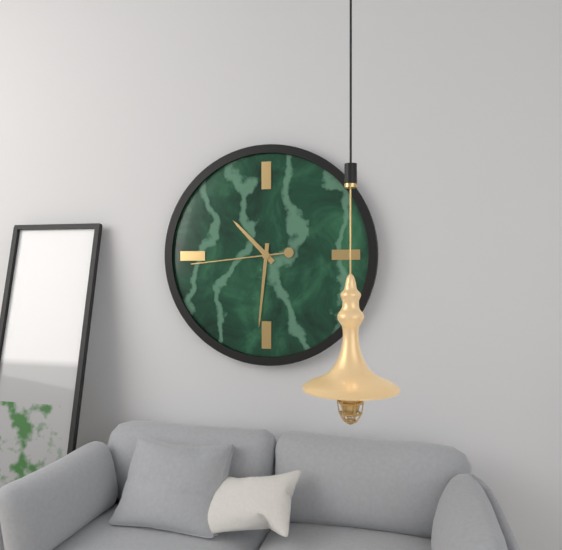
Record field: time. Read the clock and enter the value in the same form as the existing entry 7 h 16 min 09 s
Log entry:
10 h 31 min 44 s
